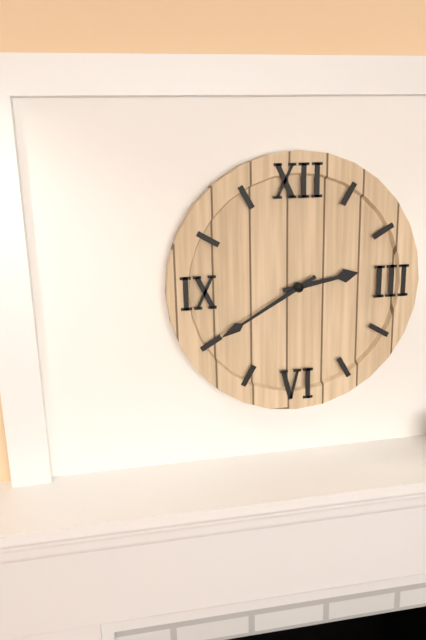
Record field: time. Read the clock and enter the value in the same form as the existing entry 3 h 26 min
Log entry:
2 h 40 min
